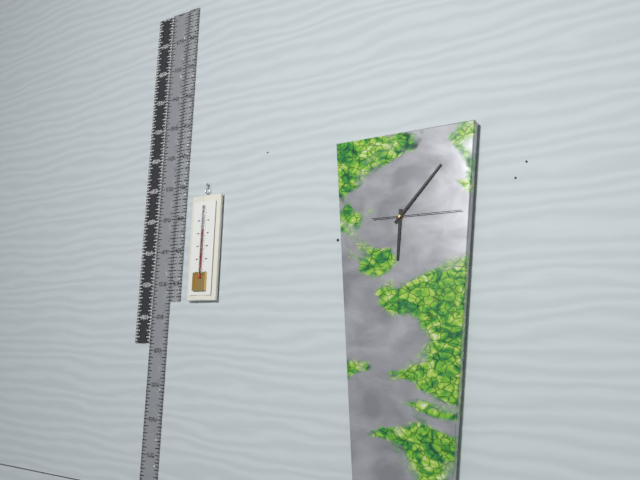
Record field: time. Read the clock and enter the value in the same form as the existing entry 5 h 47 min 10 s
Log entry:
6 h 07 min 15 s
